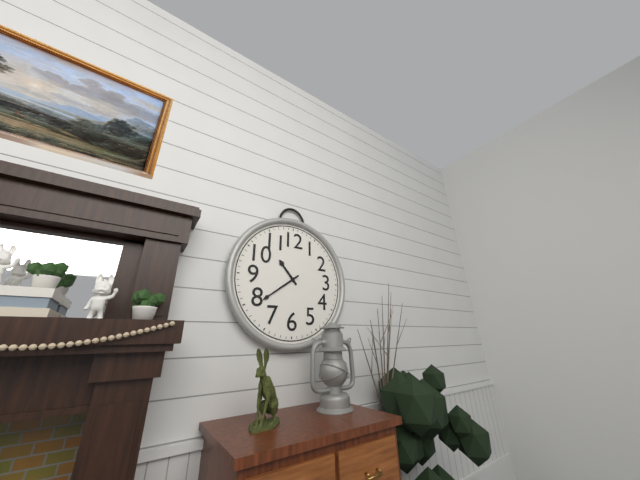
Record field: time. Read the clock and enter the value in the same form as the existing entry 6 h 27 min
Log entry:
10 h 39 min
